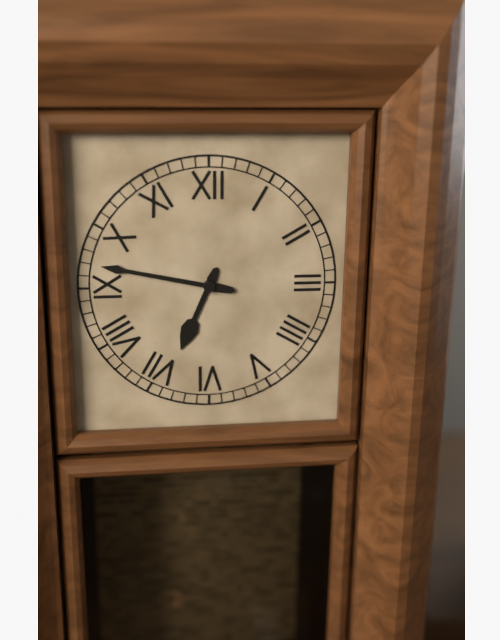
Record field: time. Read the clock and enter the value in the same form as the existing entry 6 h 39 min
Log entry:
6 h 47 min
